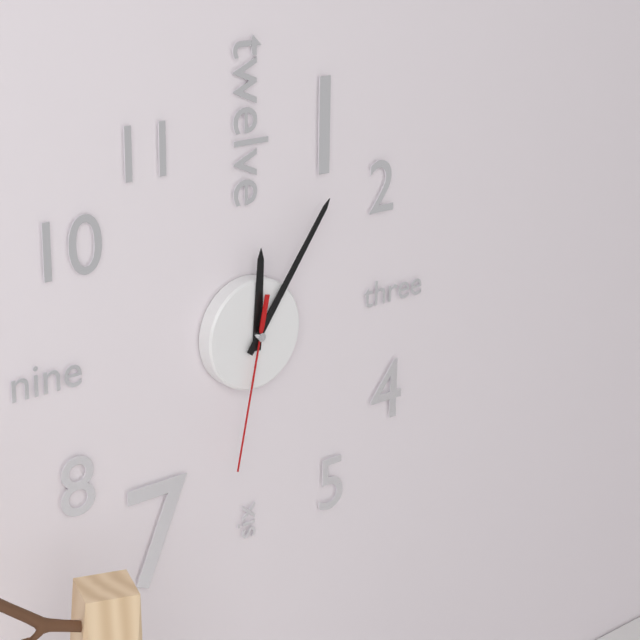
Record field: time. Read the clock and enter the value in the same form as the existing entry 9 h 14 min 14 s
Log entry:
12 h 06 min 32 s
